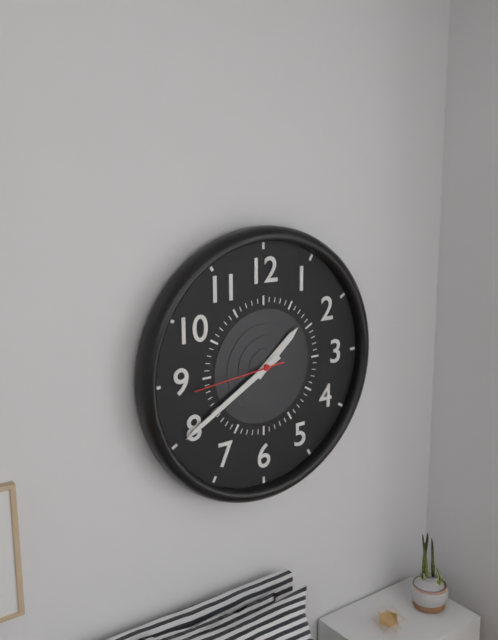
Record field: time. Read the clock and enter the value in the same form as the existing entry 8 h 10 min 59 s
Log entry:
1 h 40 min 44 s
